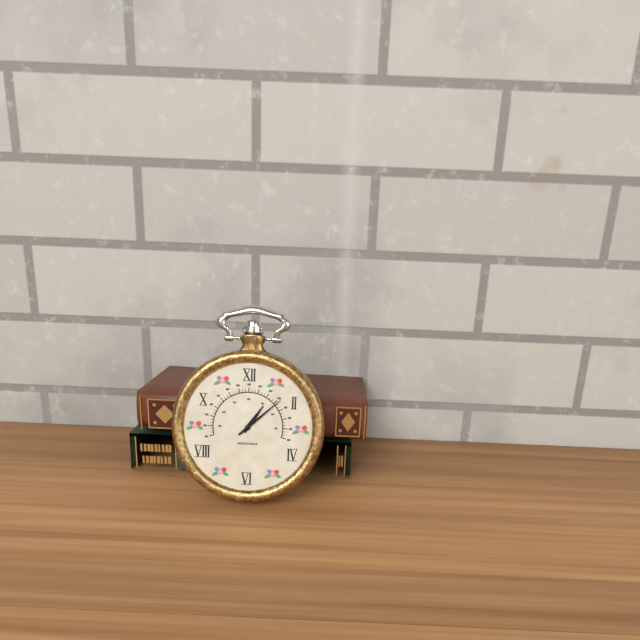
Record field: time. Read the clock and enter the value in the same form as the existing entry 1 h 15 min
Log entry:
1 h 08 min
